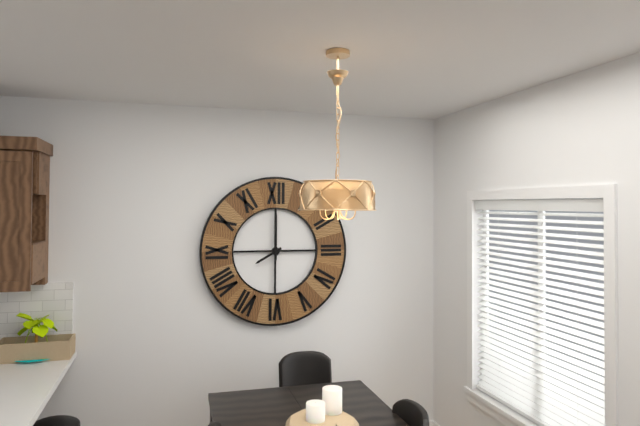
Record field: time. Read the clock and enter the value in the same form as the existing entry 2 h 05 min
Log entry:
8 h 00 min
